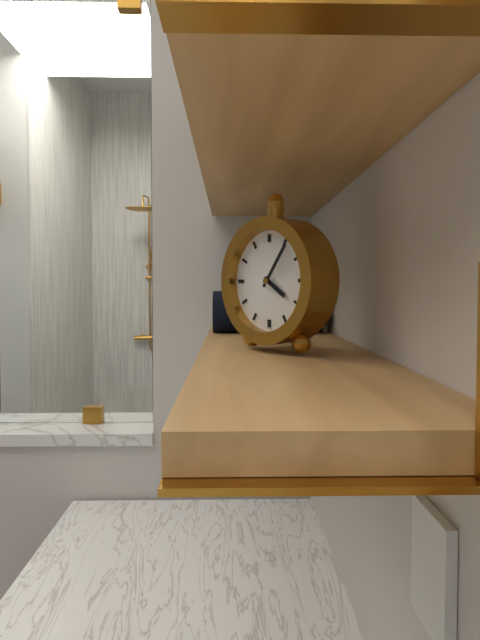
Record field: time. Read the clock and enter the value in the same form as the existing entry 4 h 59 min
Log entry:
4 h 06 min
